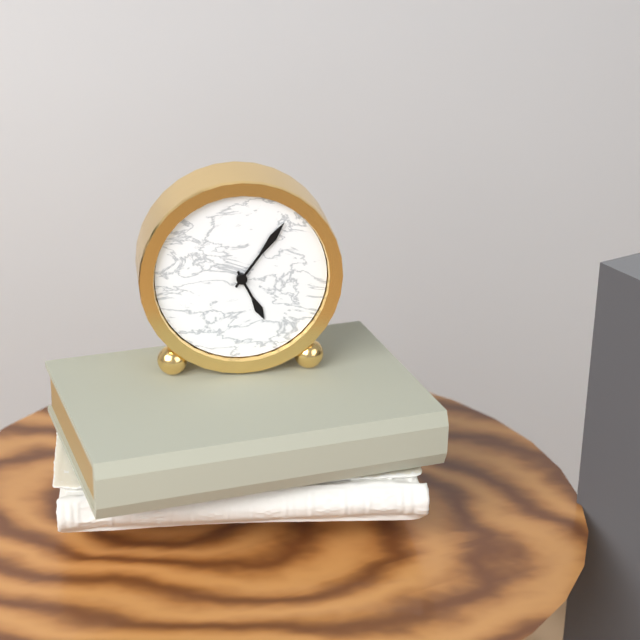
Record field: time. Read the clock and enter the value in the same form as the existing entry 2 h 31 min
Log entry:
5 h 06 min
